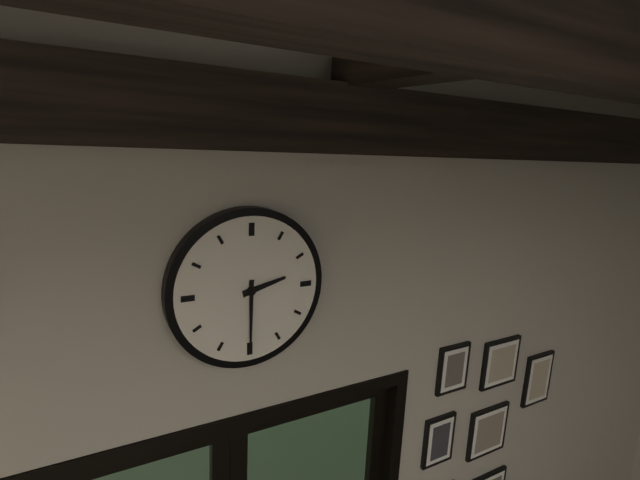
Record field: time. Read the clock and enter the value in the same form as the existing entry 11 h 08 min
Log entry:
2 h 30 min
